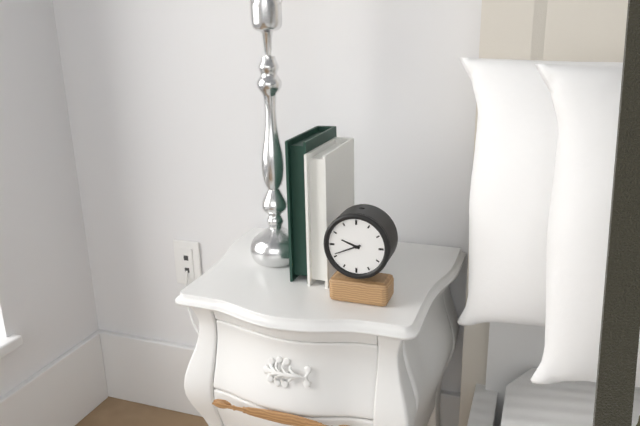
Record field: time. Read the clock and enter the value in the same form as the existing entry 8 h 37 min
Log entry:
9 h 41 min
